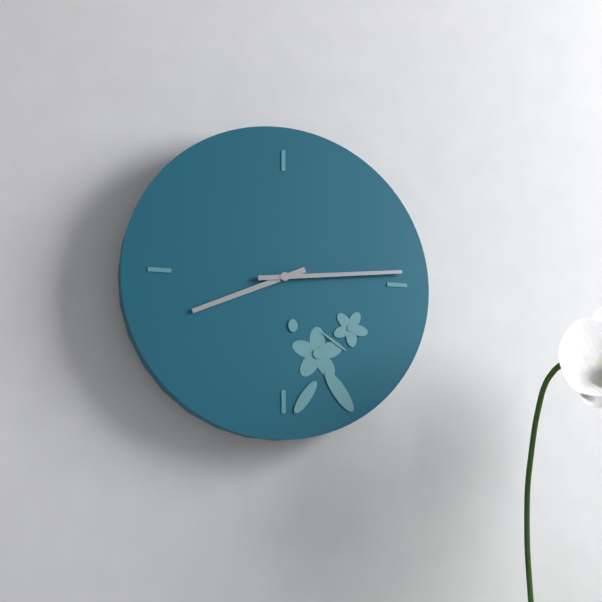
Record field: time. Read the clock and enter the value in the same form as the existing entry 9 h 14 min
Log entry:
8 h 14 min
